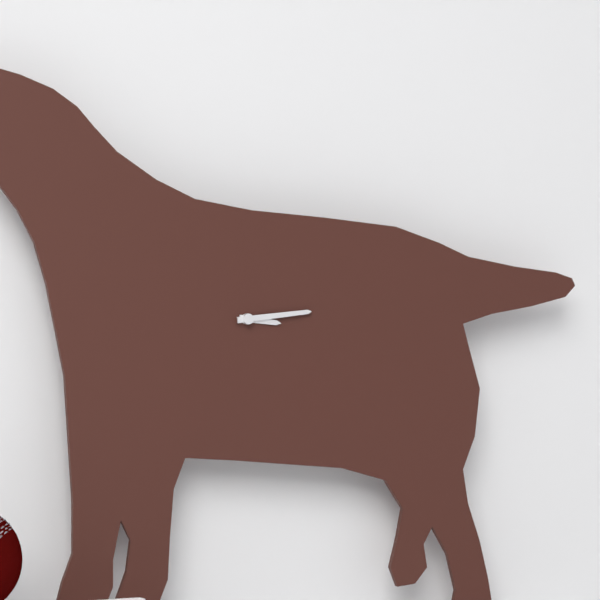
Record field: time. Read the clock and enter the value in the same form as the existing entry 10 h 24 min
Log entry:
3 h 14 min
